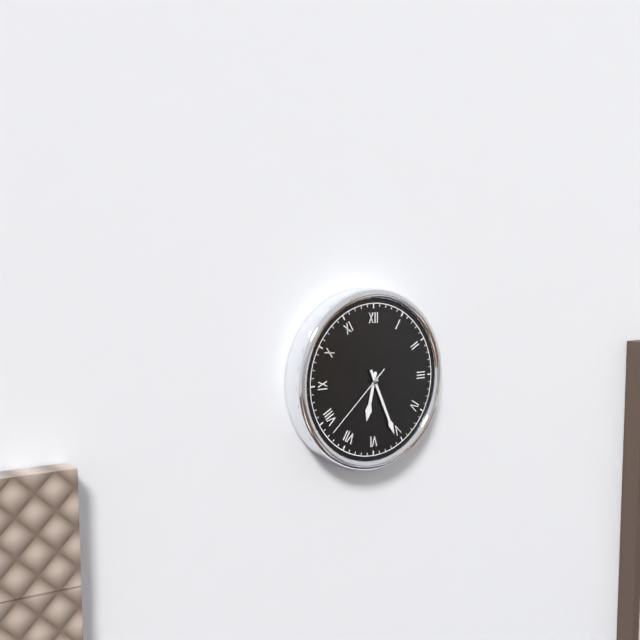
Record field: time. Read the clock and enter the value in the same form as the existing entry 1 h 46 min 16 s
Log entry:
6 h 26 min 38 s
